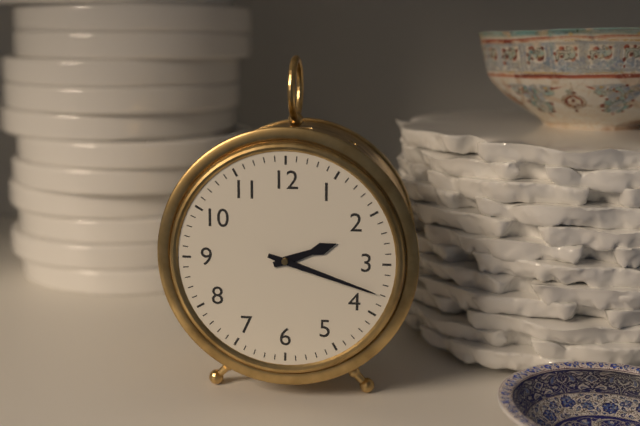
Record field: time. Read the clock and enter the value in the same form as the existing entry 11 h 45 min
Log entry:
2 h 18 min
